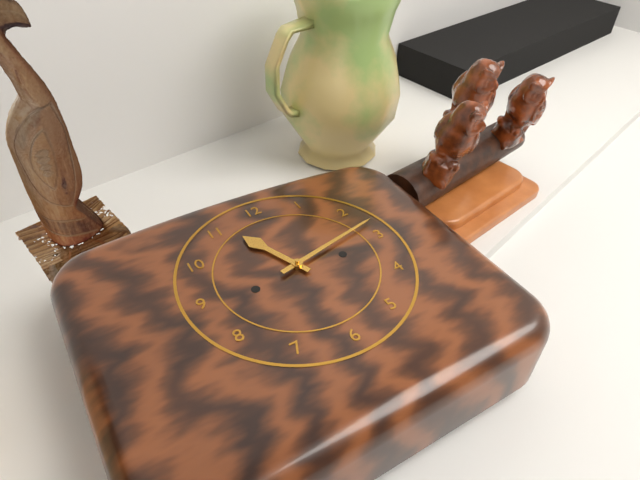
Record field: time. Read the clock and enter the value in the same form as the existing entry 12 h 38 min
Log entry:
11 h 13 min
